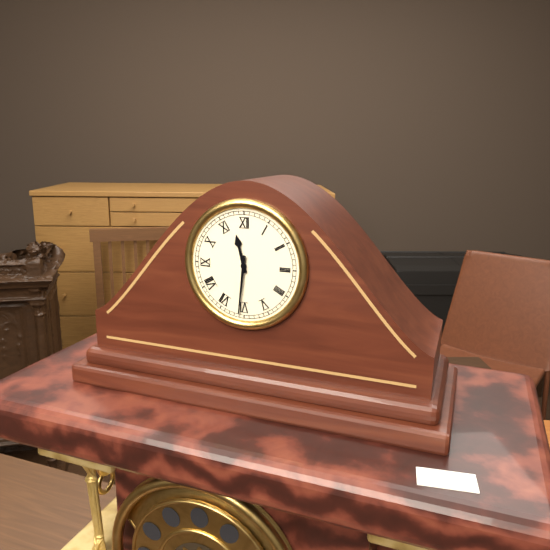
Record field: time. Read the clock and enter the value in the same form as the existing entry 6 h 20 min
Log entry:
11 h 31 min
